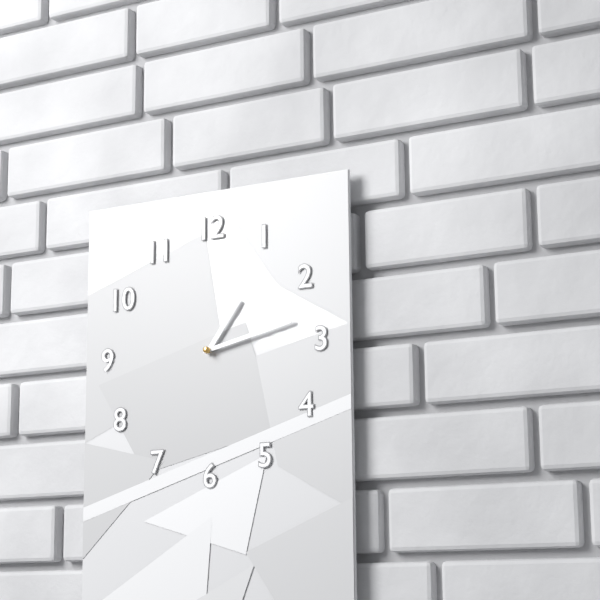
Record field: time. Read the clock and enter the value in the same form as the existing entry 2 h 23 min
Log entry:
1 h 13 min
